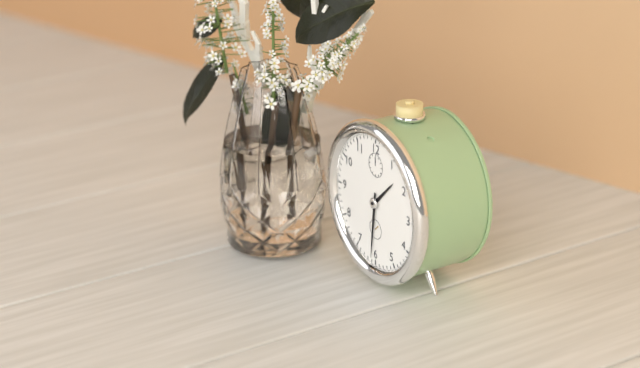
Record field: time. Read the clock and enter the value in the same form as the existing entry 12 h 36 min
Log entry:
1 h 31 min
